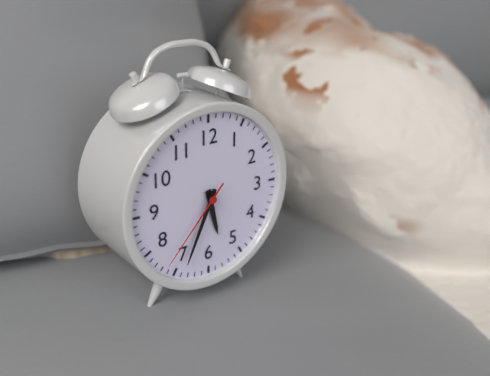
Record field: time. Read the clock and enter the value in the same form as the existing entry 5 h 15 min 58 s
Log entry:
5 h 34 min 37 s
